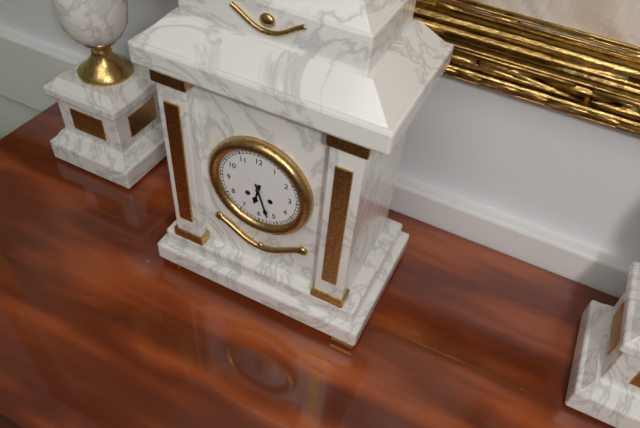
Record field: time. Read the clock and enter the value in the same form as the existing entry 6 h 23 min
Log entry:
6 h 27 min
